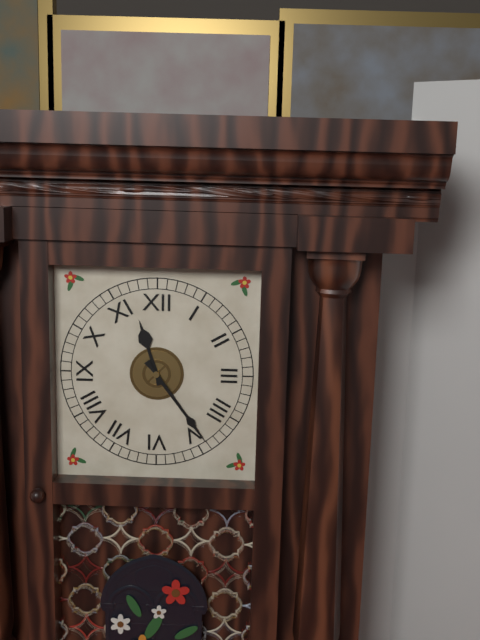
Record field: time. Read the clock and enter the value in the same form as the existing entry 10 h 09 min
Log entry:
11 h 24 min
